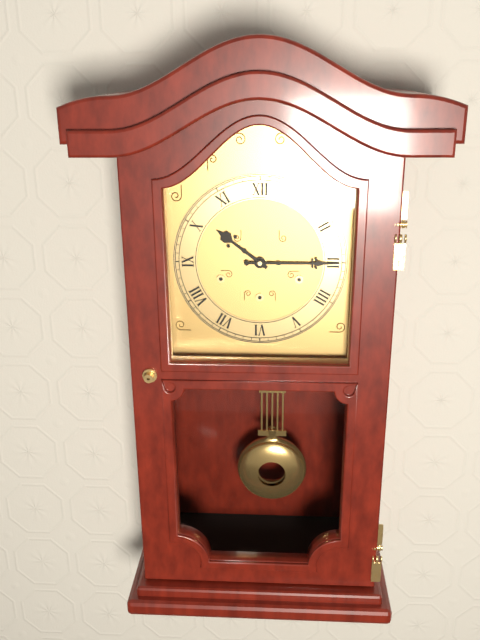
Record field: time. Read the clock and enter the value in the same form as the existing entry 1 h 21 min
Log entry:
10 h 15 min
